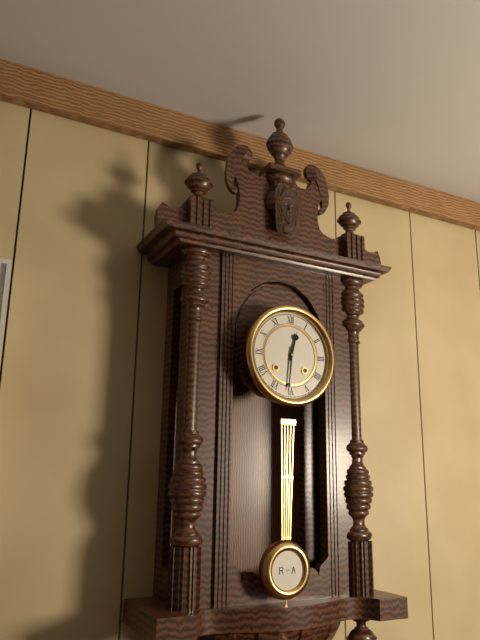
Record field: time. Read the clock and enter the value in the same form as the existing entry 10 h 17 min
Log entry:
12 h 31 min
